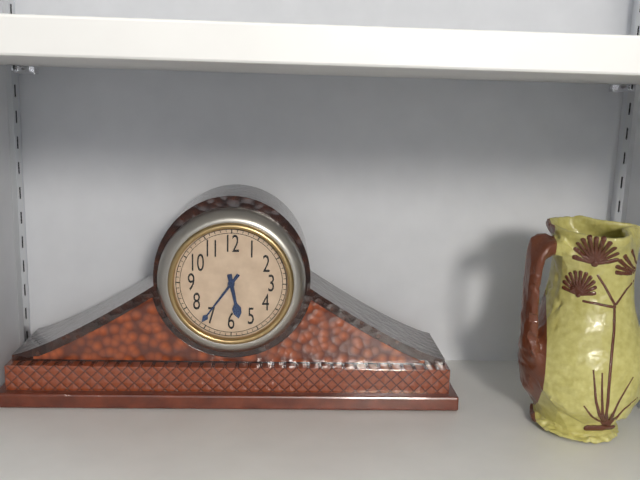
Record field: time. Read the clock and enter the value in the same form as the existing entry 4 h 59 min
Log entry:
5 h 36 min
